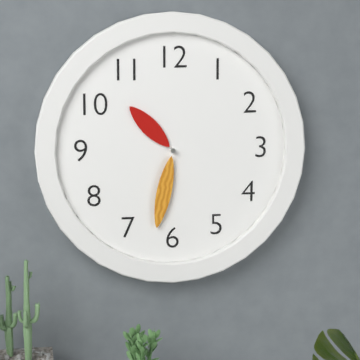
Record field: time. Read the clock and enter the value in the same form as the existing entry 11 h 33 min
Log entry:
10 h 32 min
